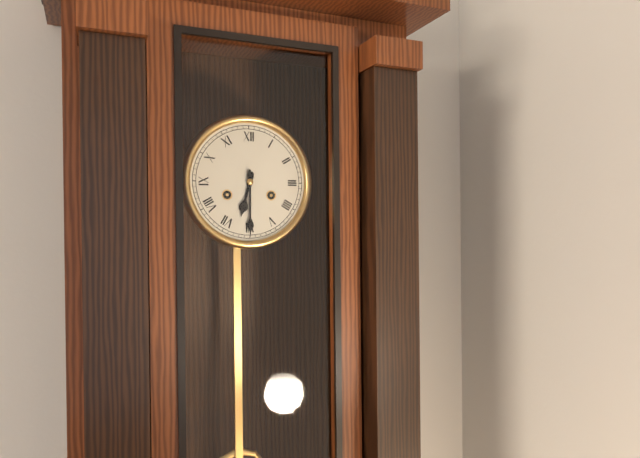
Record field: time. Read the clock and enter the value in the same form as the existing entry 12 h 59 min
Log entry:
6 h 30 min
